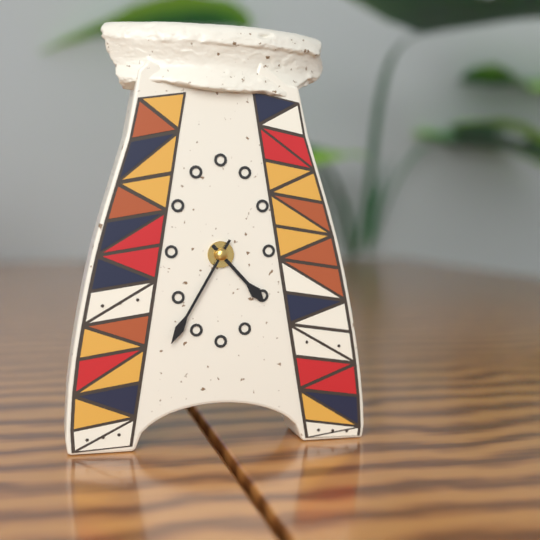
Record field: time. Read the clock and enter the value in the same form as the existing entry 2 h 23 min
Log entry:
4 h 35 min
